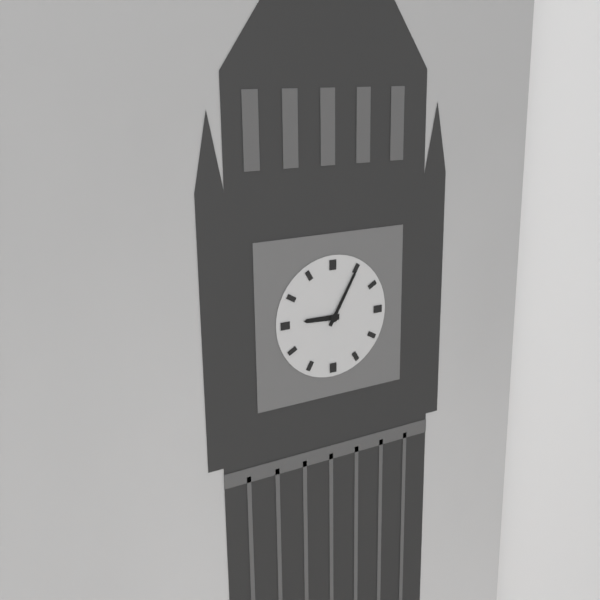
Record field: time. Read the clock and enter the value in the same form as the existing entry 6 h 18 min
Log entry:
9 h 05 min
